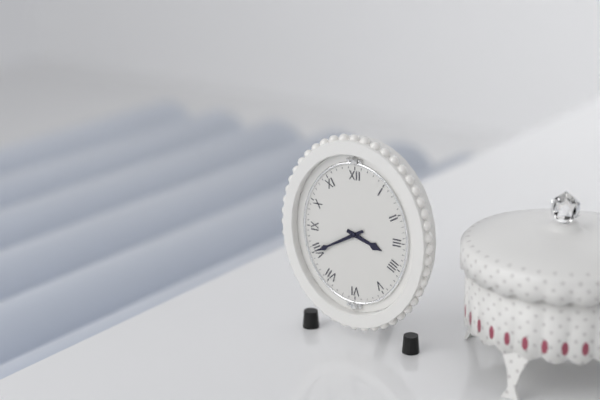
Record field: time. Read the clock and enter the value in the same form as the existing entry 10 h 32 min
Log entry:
3 h 40 min
